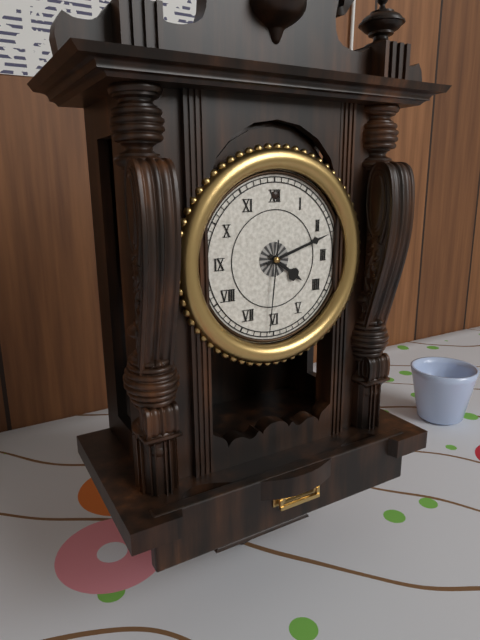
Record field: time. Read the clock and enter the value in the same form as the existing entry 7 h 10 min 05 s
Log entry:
4 h 12 min 31 s
